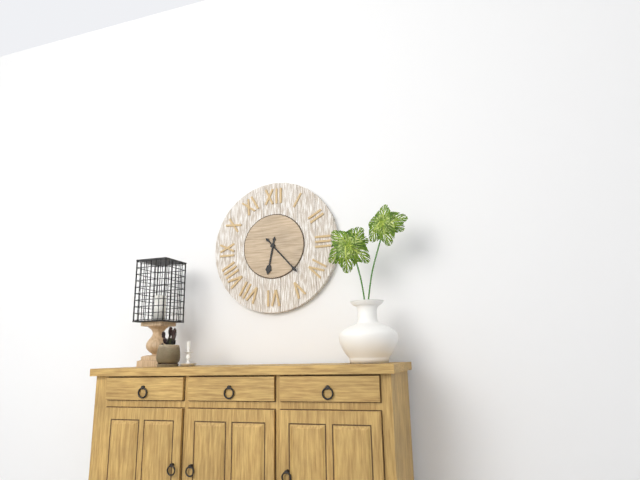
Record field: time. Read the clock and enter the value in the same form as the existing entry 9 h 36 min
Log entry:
6 h 23 min
